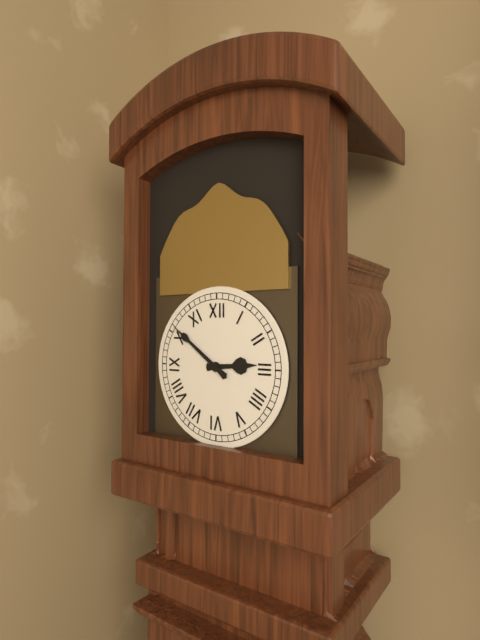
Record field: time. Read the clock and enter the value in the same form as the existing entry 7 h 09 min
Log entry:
2 h 51 min
